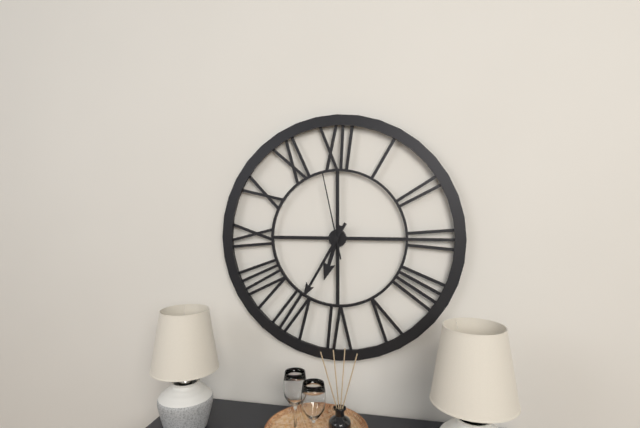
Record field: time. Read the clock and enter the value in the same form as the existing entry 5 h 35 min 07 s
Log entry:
6 h 35 min 58 s
